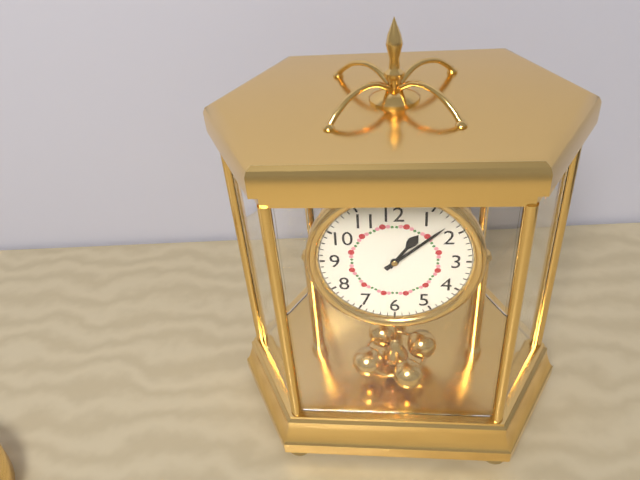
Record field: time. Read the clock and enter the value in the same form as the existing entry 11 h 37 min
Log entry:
1 h 08 min
